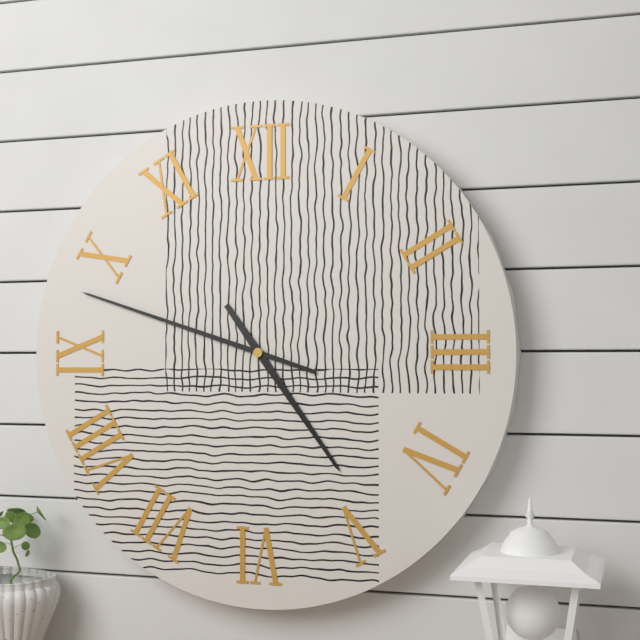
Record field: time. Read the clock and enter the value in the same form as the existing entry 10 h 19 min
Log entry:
4 h 48 min
